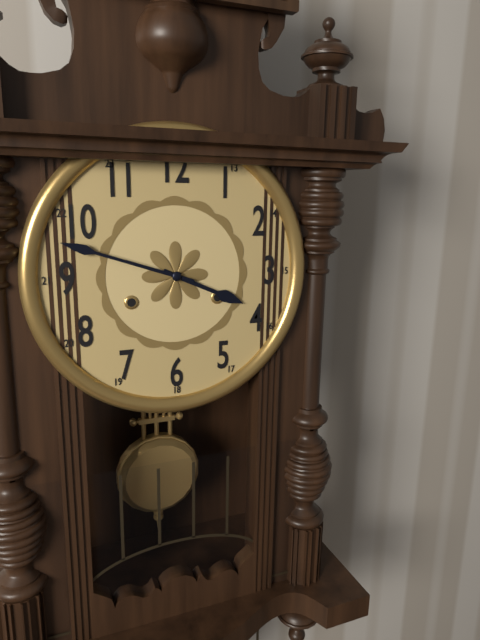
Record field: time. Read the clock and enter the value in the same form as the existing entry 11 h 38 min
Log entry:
3 h 48 min
